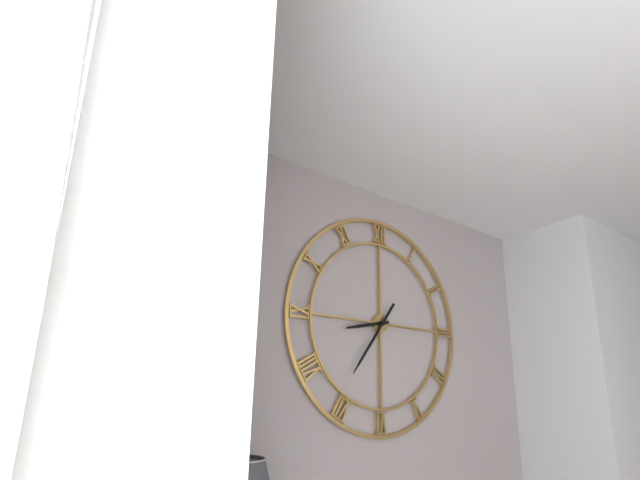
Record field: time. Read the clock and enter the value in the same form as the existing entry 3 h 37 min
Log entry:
8 h 36 min
